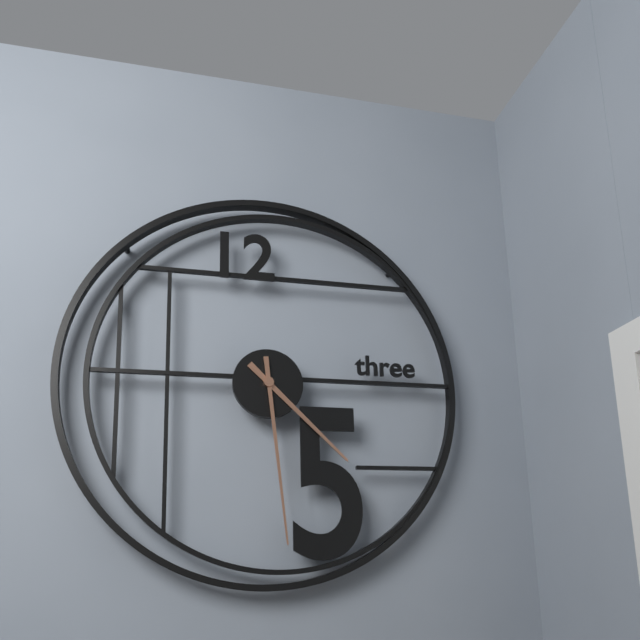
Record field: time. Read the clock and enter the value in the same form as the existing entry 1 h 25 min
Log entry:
4 h 29 min
